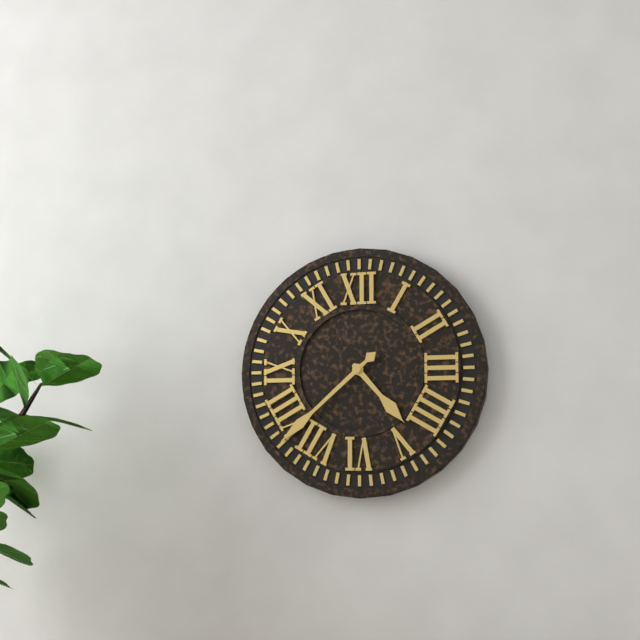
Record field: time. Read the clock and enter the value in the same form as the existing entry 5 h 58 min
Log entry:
4 h 38 min
